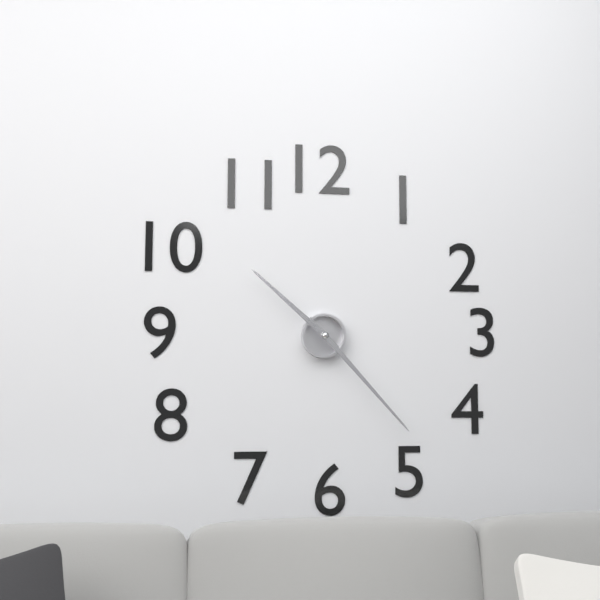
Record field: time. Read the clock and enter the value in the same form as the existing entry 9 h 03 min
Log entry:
10 h 23 min
